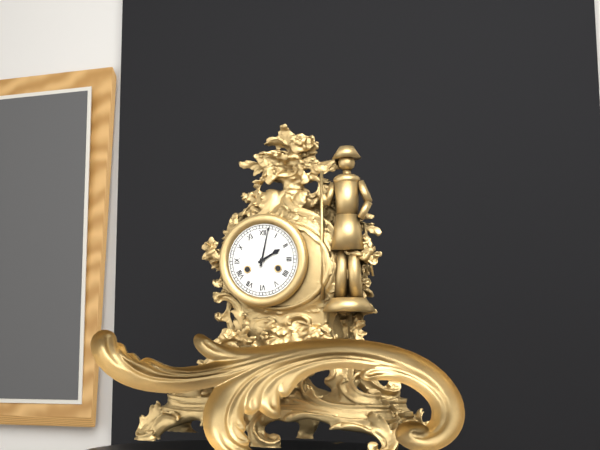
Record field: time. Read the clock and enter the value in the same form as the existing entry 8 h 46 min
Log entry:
2 h 02 min
